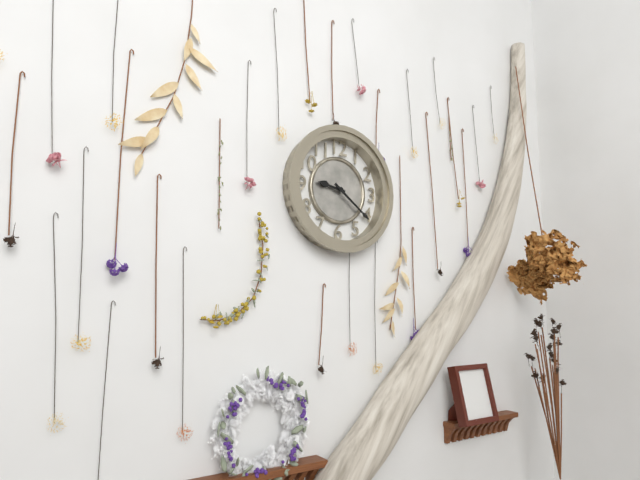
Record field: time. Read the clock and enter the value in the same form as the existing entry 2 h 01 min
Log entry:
9 h 21 min
